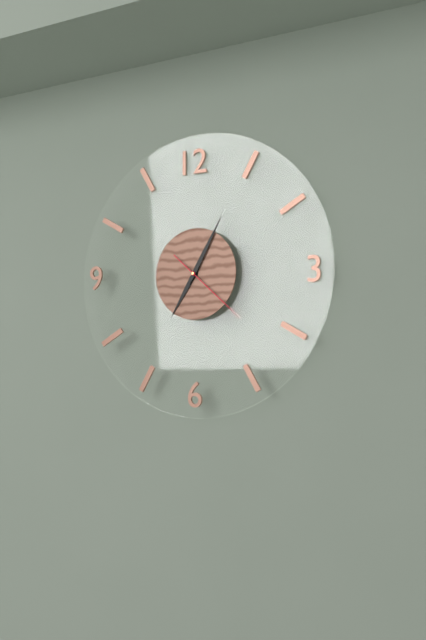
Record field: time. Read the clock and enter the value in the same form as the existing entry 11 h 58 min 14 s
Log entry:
7 h 05 min 22 s
